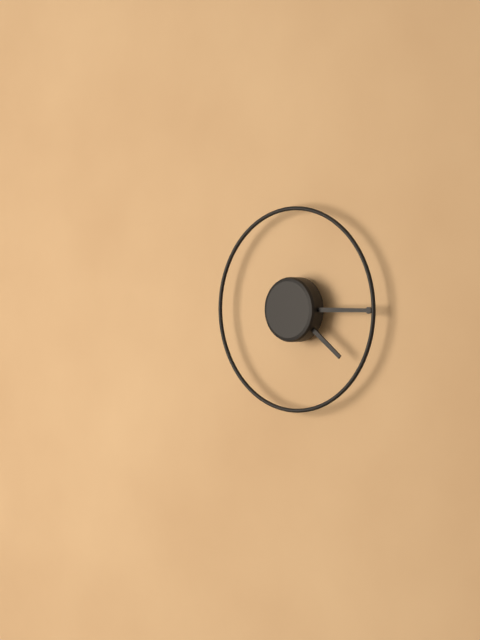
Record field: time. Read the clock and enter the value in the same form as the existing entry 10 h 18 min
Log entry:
4 h 15 min
